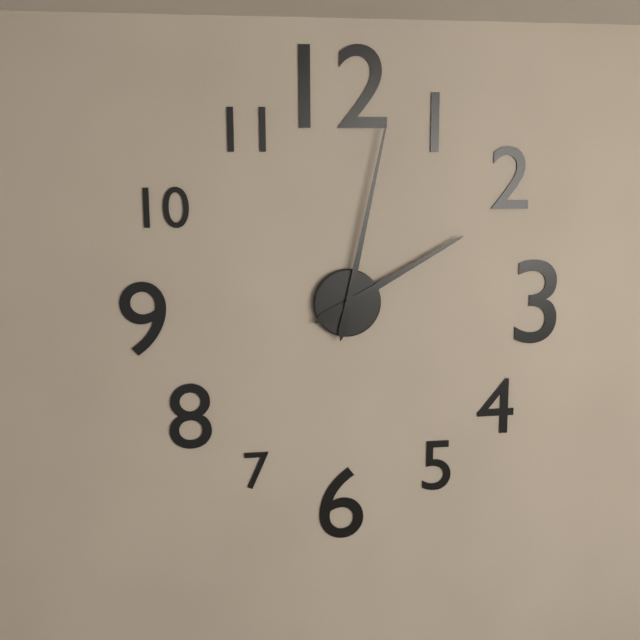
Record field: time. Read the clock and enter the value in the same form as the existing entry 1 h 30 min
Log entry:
2 h 02 min
